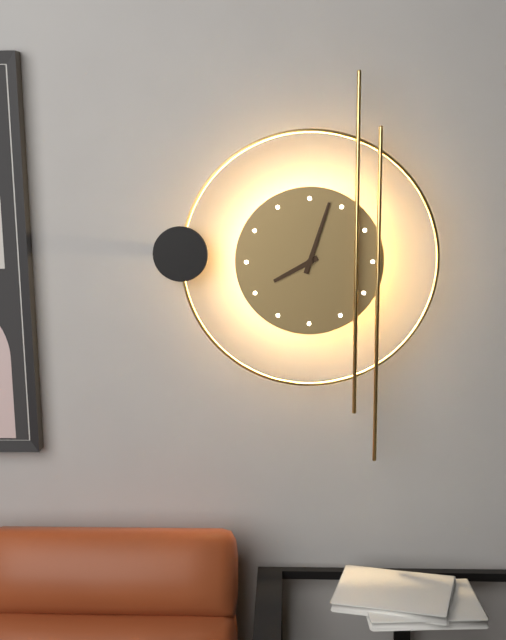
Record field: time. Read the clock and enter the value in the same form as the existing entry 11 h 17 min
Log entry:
8 h 03 min
